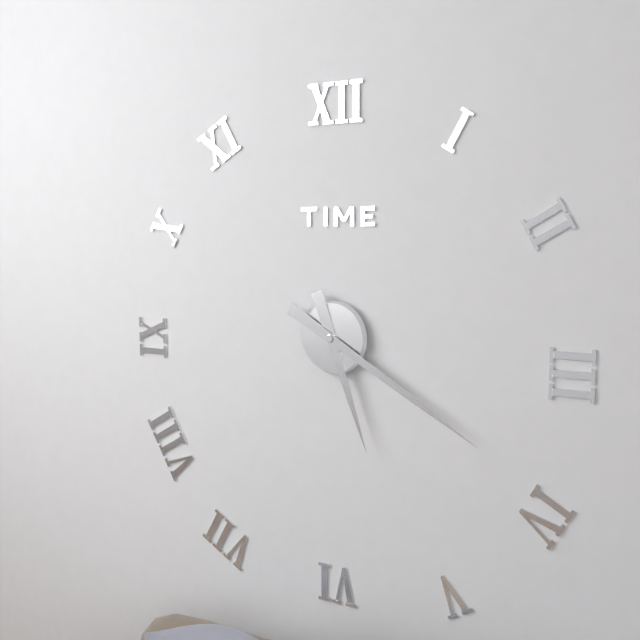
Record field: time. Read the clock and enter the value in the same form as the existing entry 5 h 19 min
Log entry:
5 h 20 min
